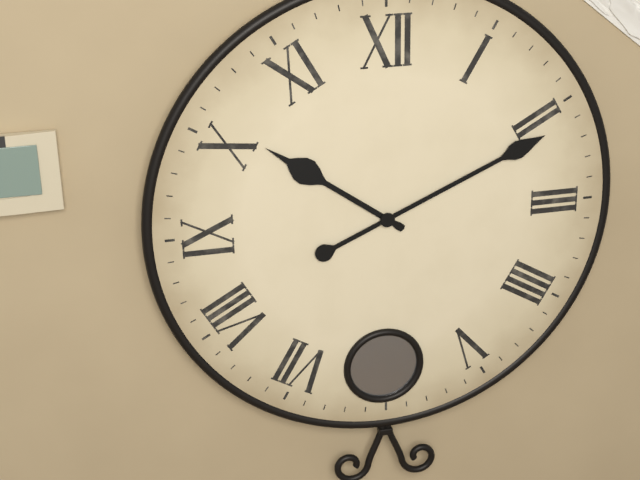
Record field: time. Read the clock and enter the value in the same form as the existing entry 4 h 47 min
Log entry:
10 h 11 min
